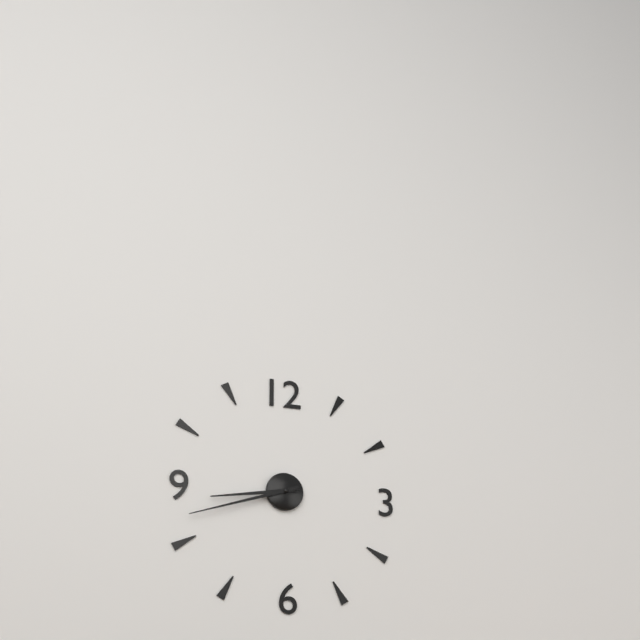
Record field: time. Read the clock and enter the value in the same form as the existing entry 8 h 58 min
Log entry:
8 h 42 min
